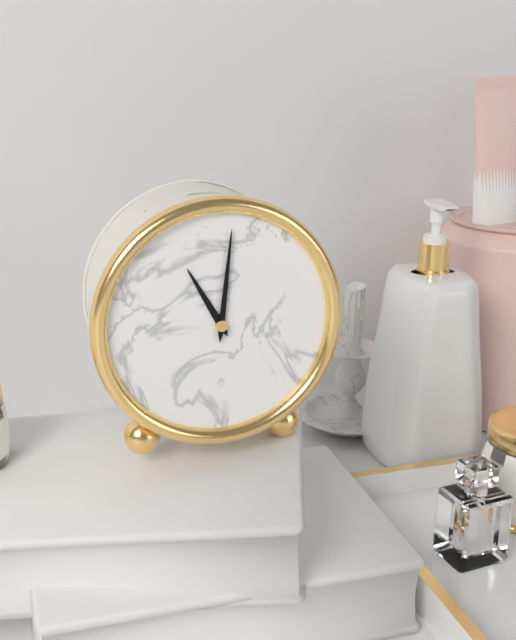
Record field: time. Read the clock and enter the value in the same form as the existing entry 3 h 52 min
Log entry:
11 h 01 min
